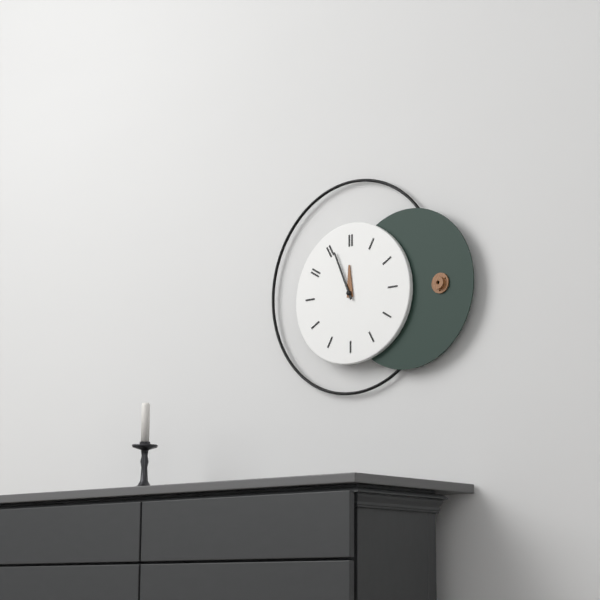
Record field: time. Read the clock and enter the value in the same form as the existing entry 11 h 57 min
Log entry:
11 h 56 min
